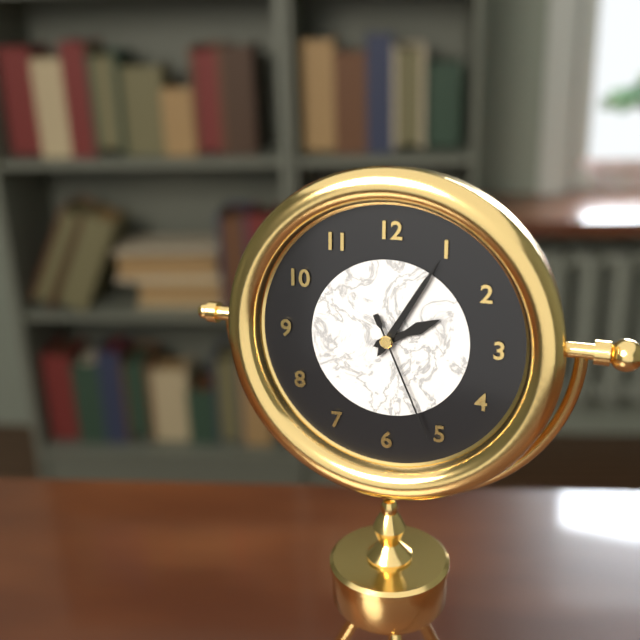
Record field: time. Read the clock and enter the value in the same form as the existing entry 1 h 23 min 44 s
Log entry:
2 h 05 min 26 s
